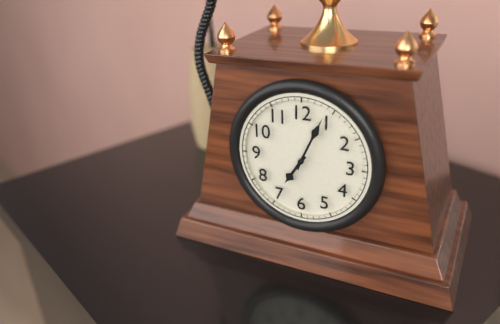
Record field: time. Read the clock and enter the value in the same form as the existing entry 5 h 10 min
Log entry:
7 h 04 min
